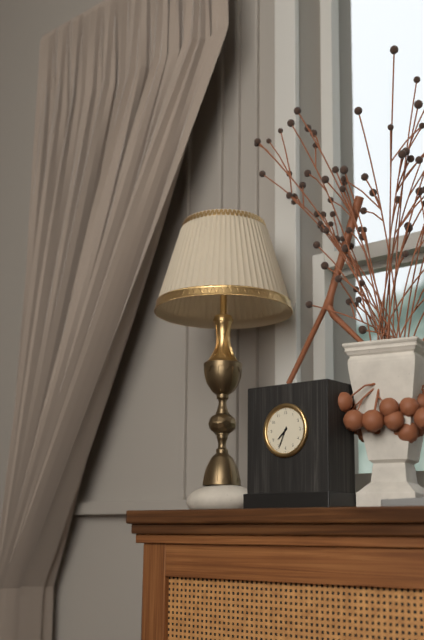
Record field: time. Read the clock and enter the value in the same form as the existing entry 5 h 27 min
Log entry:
7 h 34 min
